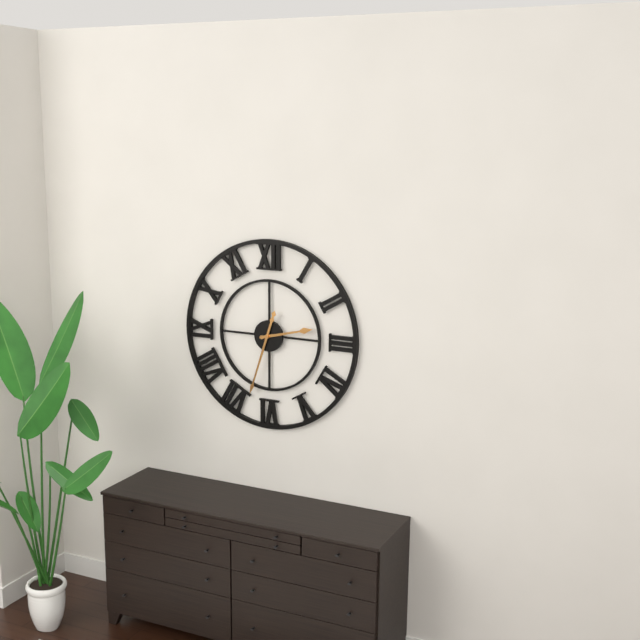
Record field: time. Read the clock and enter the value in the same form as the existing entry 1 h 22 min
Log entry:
2 h 33 min
